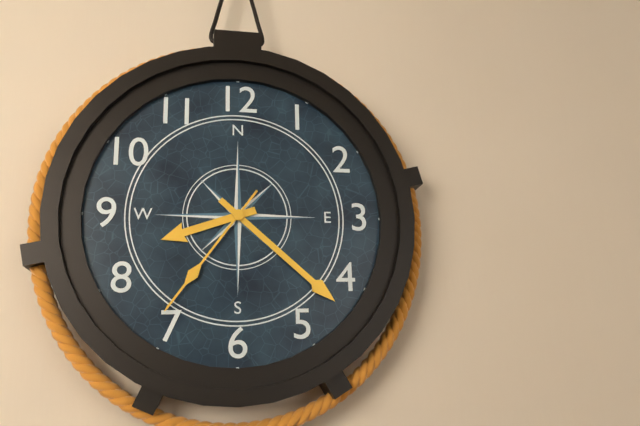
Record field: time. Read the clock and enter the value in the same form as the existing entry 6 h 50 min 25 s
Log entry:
8 h 22 min 36 s
